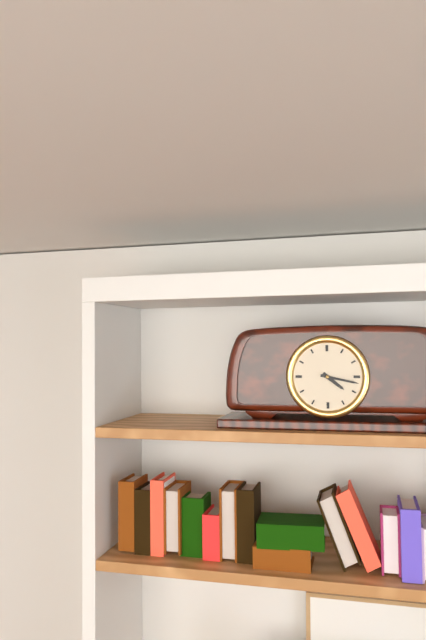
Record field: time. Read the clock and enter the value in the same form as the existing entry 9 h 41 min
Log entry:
4 h 17 min
